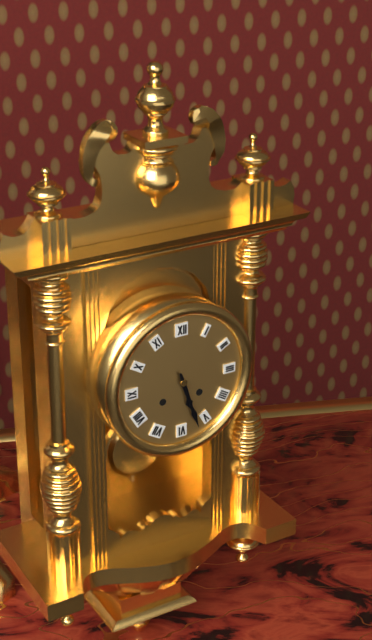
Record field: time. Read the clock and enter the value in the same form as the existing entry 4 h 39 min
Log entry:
5 h 27 min
